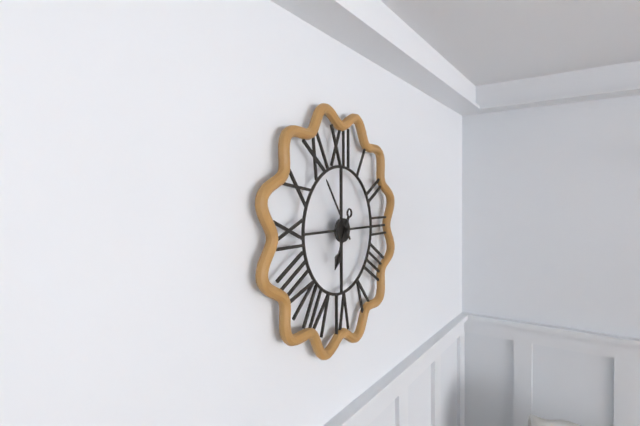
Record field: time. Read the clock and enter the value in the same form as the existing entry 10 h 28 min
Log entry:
6 h 54 min
